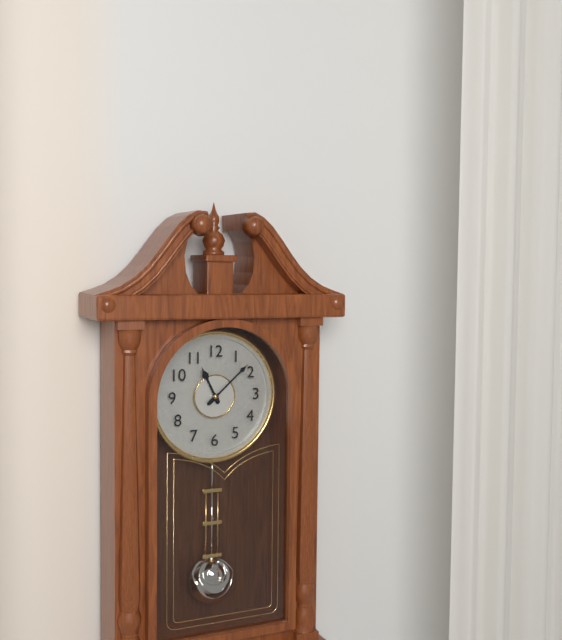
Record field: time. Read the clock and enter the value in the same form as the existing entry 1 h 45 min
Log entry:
11 h 08 min
